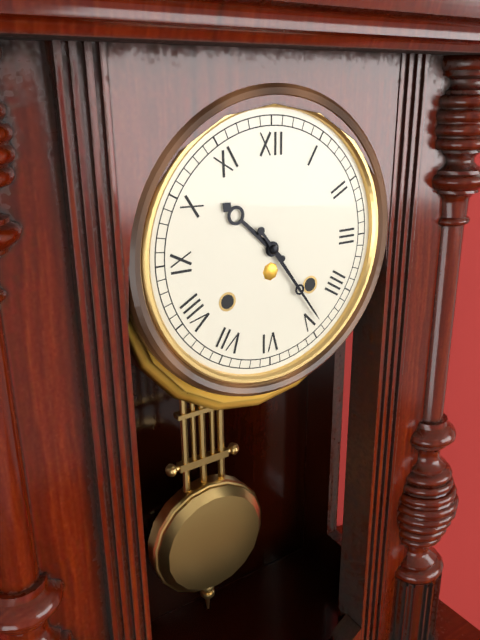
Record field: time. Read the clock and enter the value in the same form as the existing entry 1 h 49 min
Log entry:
10 h 24 min
